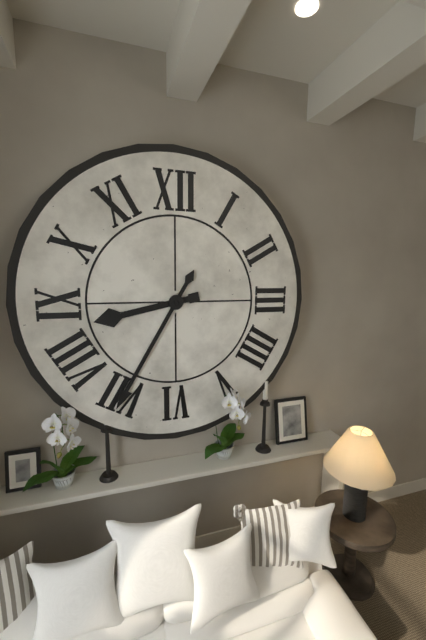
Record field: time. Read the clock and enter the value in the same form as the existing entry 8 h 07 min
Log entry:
8 h 35 min
